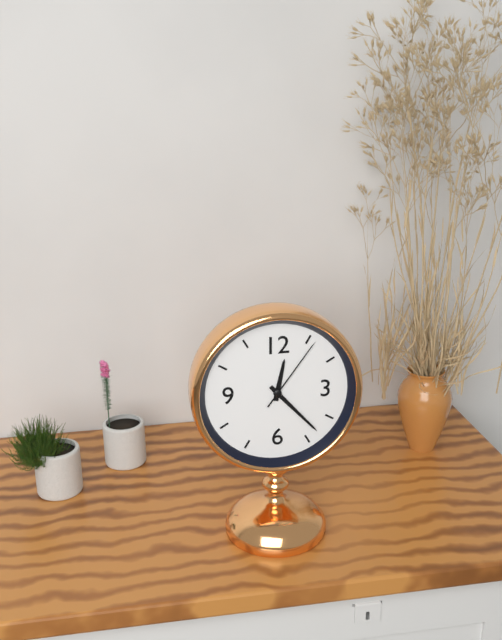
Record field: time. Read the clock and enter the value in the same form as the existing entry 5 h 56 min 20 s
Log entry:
12 h 23 min 06 s
